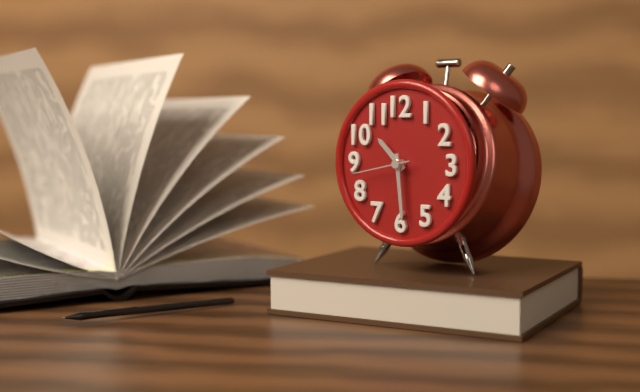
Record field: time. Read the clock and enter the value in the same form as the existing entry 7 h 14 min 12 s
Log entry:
10 h 29 min 43 s
